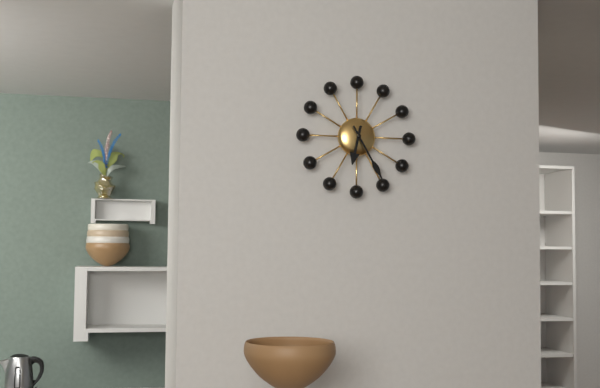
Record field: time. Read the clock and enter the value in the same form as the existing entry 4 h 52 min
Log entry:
6 h 25 min
